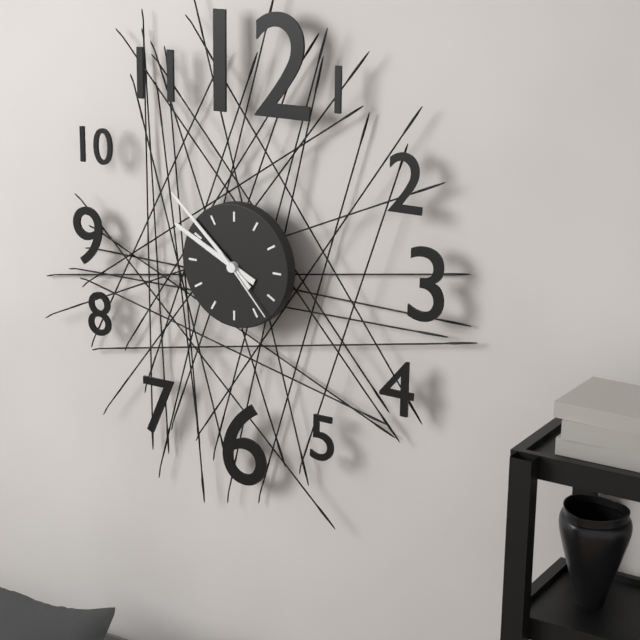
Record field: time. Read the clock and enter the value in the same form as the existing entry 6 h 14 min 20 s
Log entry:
9 h 52 min 23 s
